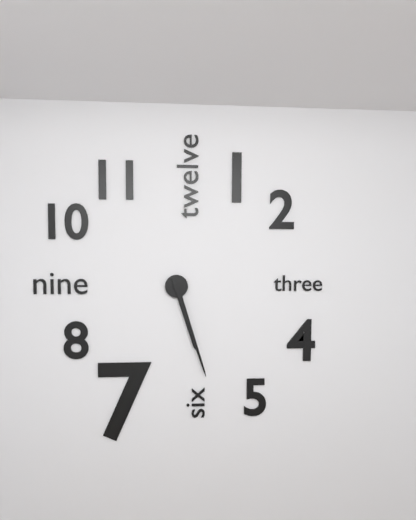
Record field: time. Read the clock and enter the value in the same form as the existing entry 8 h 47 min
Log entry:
5 h 27 min
